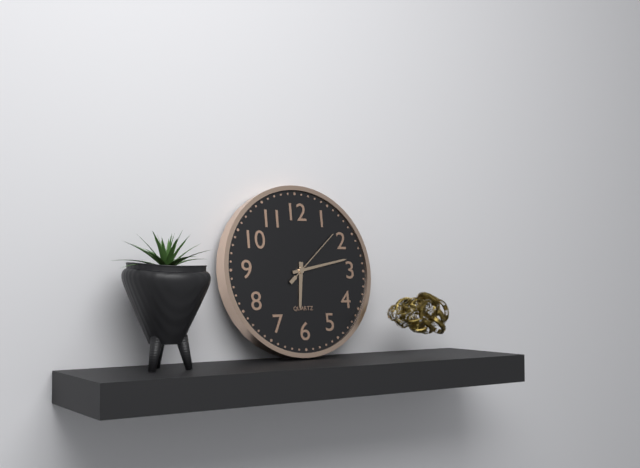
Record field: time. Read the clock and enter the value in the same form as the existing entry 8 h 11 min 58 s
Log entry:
6 h 13 min 08 s
